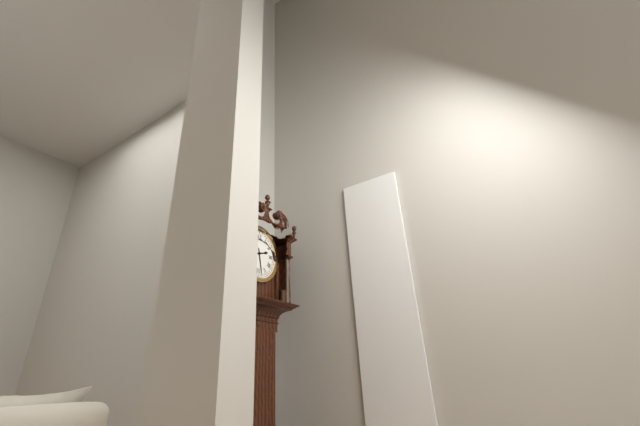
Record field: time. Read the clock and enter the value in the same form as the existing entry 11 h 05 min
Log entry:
2 h 28 min
